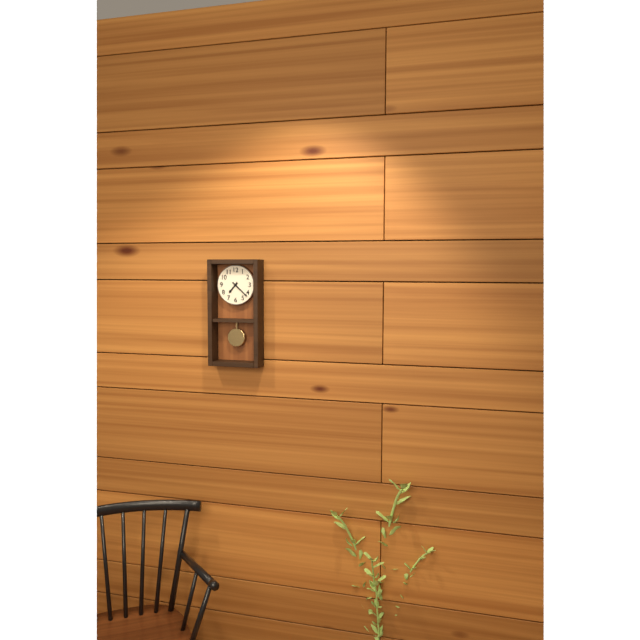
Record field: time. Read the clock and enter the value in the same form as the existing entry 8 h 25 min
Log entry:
7 h 22 min
